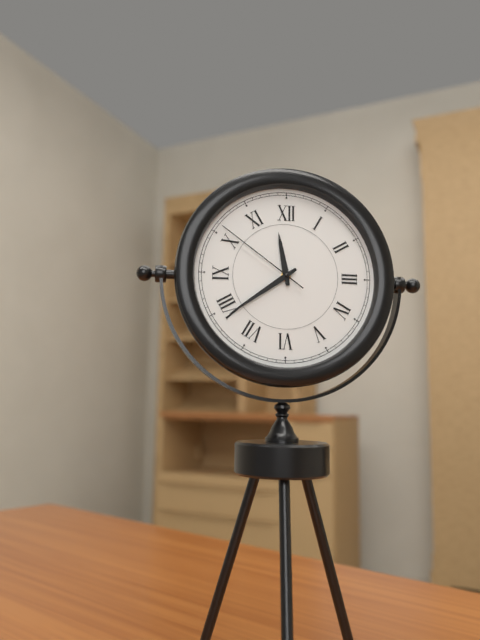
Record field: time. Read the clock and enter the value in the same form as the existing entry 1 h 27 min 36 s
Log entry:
11 h 39 min 51 s
